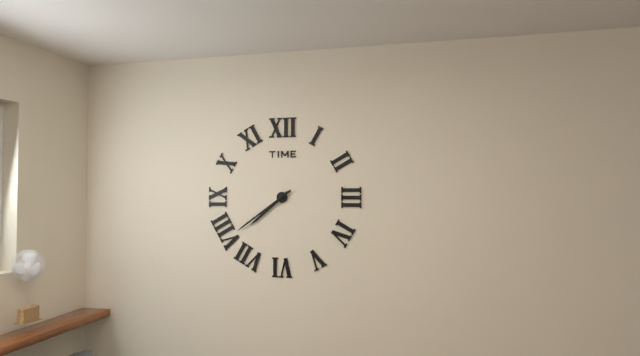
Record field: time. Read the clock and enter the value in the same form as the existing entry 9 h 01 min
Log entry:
7 h 39 min
